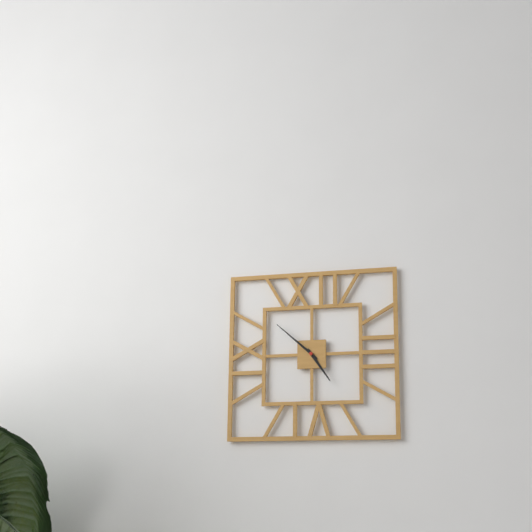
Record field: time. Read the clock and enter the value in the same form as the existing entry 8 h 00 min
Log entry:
4 h 52 min
